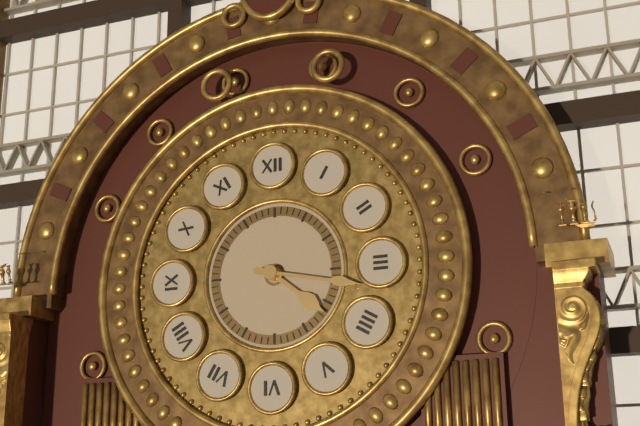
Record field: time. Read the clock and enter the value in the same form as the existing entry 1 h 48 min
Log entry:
4 h 17 min
